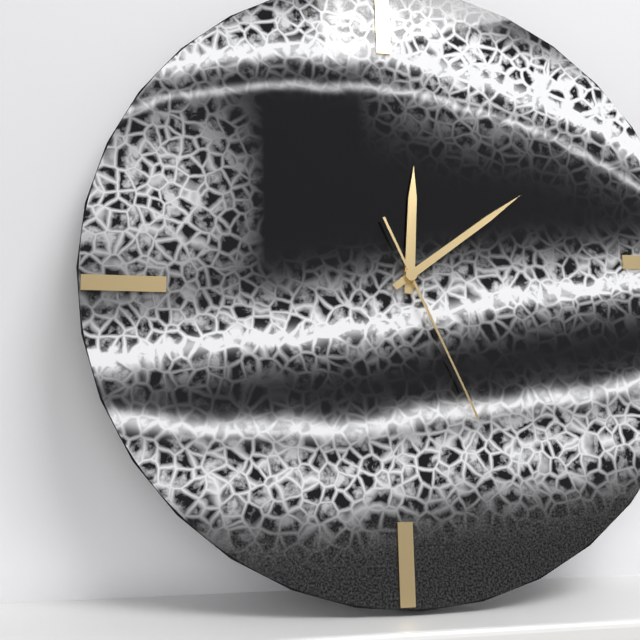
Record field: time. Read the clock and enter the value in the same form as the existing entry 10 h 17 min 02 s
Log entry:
12 h 09 min 26 s
